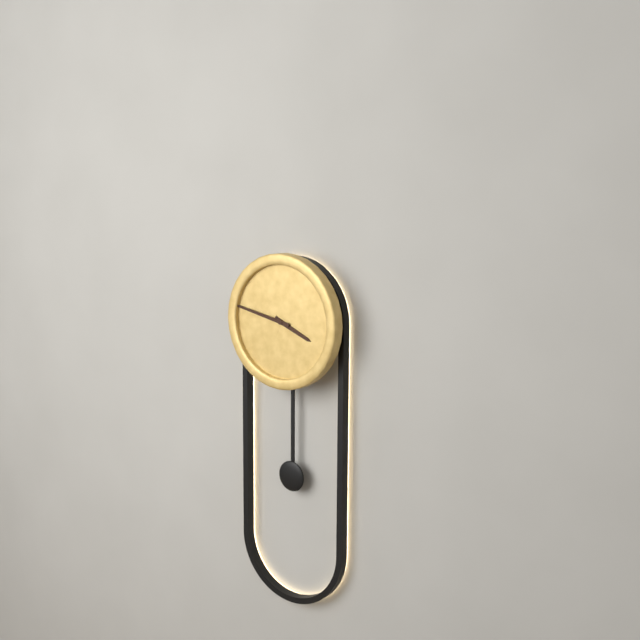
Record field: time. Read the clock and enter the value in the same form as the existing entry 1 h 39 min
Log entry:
3 h 47 min
